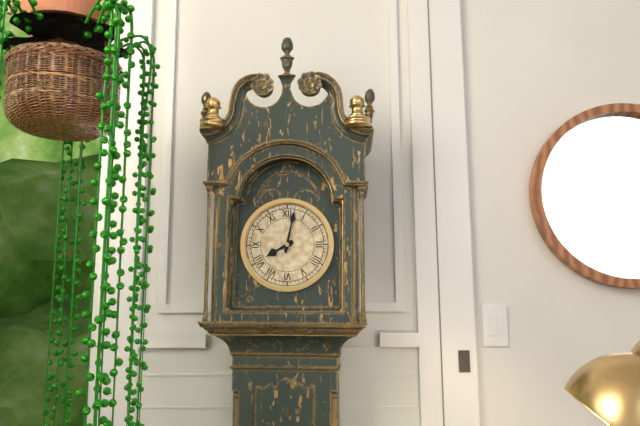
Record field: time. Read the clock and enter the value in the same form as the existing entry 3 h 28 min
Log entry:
8 h 02 min
